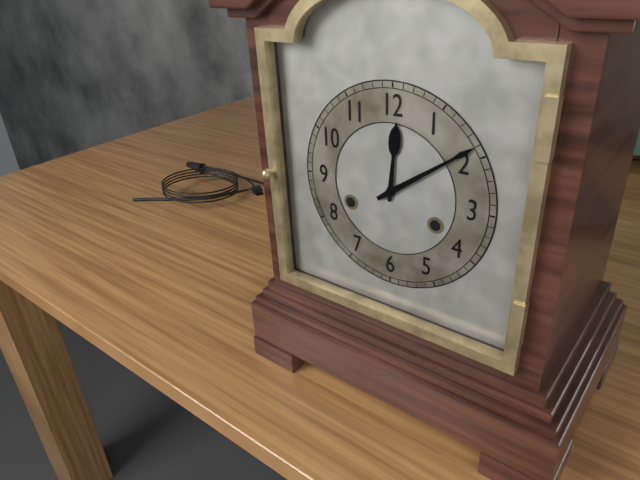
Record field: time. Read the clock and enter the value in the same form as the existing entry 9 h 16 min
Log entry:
12 h 09 min
